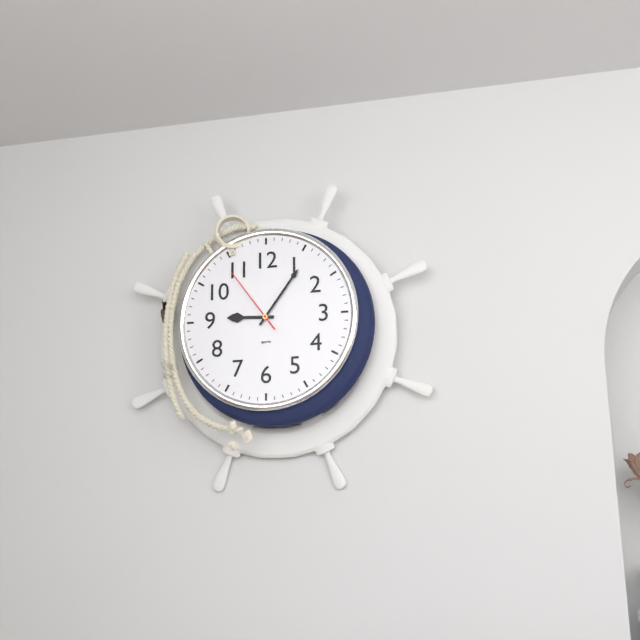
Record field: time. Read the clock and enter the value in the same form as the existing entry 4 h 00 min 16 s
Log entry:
9 h 06 min 54 s
